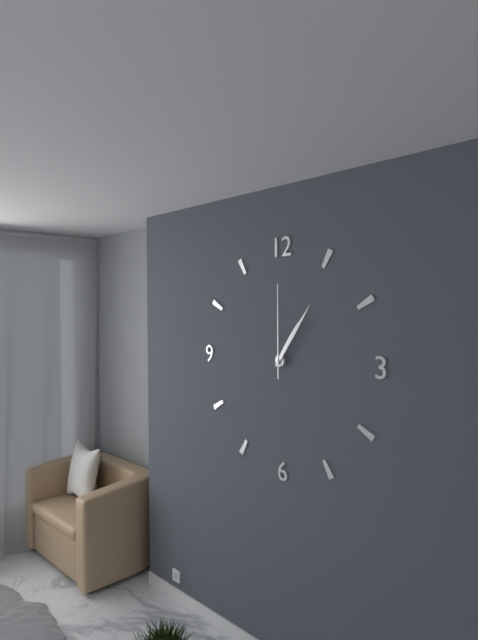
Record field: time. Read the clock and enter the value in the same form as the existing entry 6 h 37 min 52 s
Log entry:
1 h 06 min 00 s
